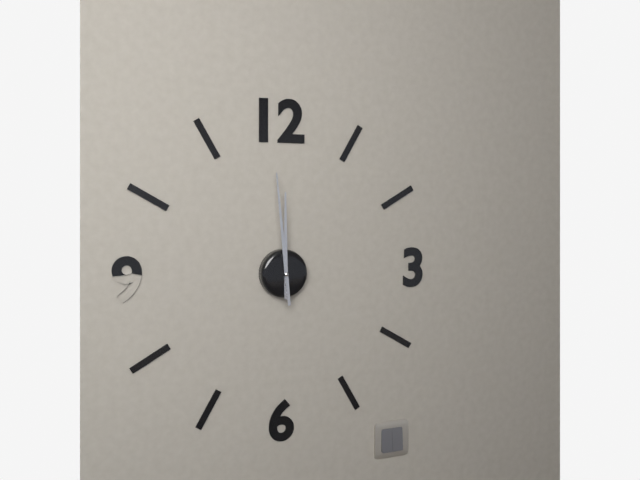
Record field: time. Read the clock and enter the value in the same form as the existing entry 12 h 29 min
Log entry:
11 h 59 min
